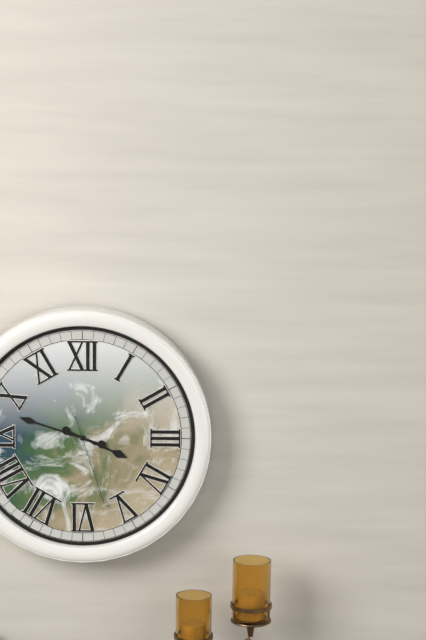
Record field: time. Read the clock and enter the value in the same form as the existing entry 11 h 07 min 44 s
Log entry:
3 h 48 min 27 s
